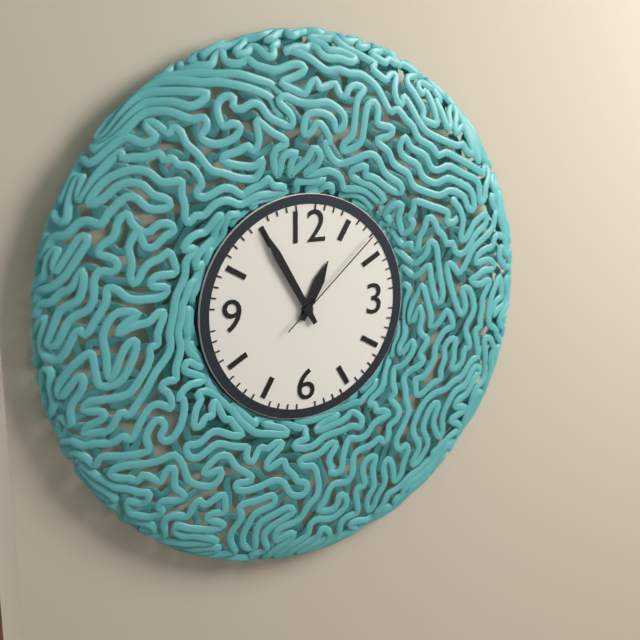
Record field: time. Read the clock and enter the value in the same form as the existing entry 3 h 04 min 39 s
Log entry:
12 h 55 min 08 s
